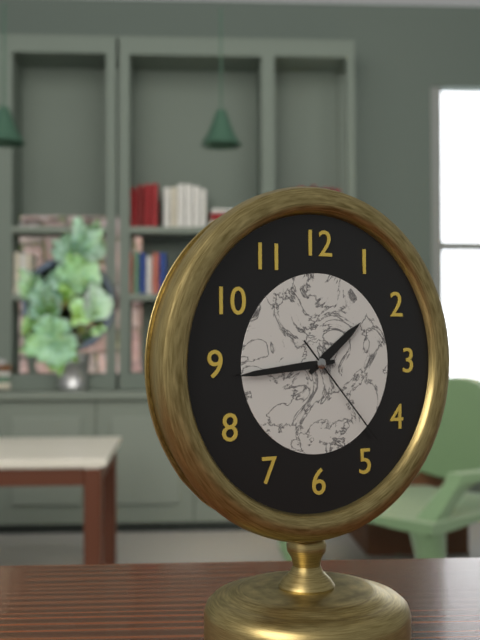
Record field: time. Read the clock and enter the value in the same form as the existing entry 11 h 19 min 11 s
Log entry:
1 h 44 min 23 s
